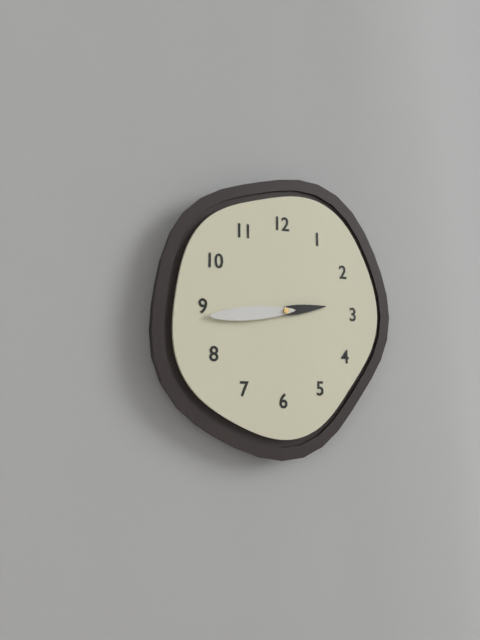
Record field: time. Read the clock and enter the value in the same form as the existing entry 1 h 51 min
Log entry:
2 h 44 min
